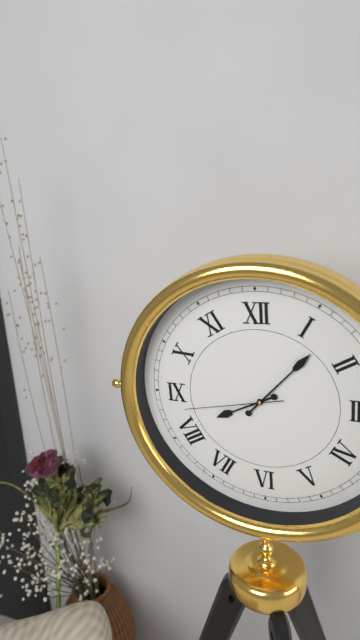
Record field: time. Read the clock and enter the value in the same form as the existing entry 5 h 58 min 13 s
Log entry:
8 h 07 min 43 s
